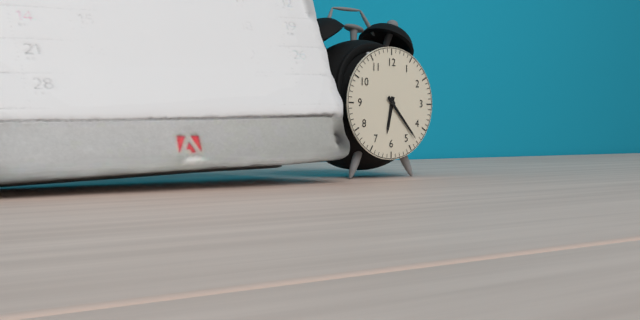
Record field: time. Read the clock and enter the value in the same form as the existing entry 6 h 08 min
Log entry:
6 h 23 min
